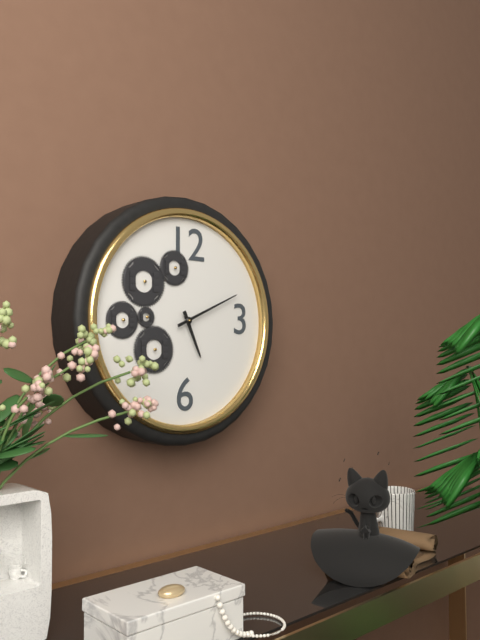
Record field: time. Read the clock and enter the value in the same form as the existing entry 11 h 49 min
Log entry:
5 h 11 min
